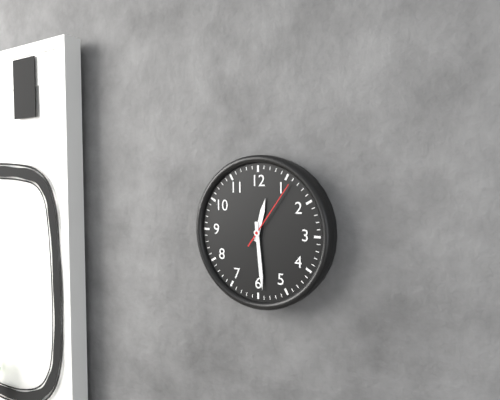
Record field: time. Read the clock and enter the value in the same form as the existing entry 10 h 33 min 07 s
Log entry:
12 h 29 min 06 s
